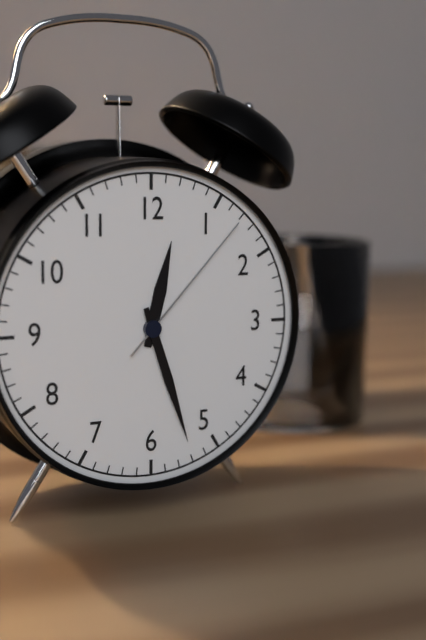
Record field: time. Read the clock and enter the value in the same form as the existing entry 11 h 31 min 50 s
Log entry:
12 h 27 min 07 s
